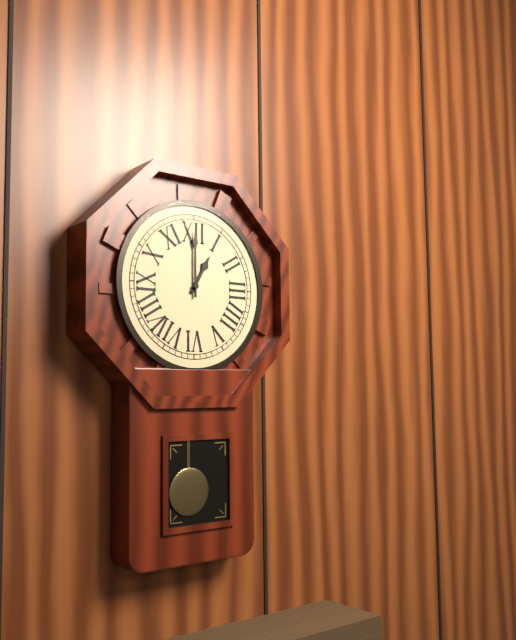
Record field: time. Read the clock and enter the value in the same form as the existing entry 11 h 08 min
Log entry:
1 h 00 min
